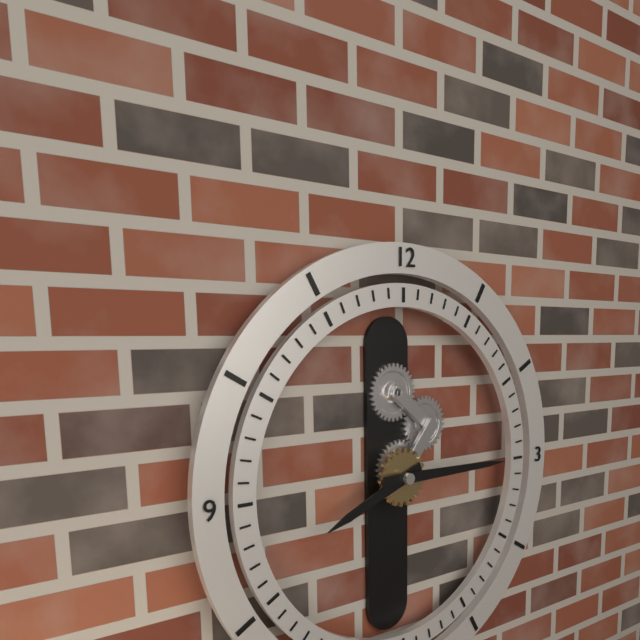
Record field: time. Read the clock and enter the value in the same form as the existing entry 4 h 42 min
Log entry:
8 h 15 min
